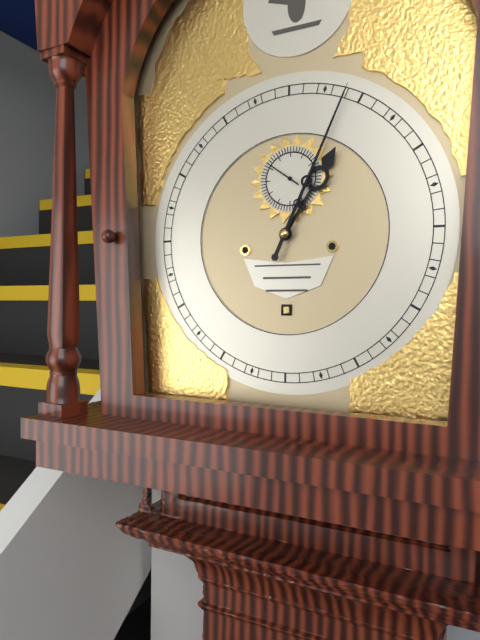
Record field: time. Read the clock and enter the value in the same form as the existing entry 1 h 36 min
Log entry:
1 h 04 min
